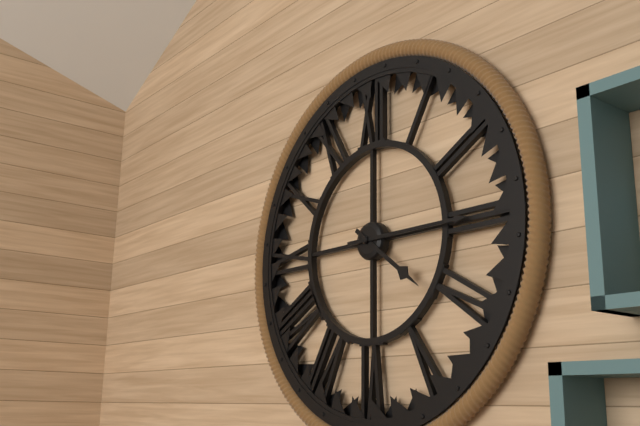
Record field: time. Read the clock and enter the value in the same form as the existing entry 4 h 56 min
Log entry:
4 h 15 min
